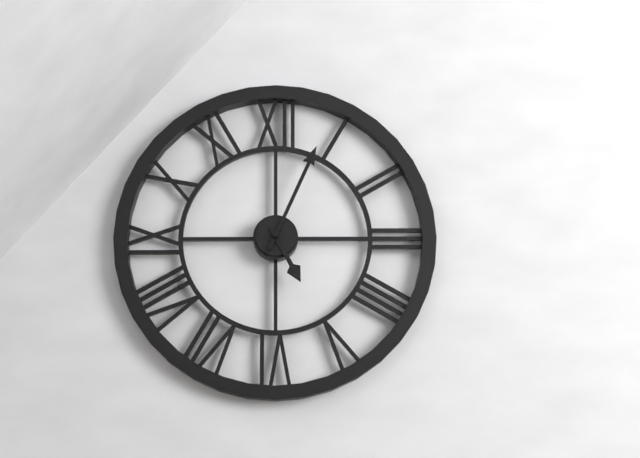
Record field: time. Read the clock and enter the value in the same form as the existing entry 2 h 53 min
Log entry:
5 h 04 min
